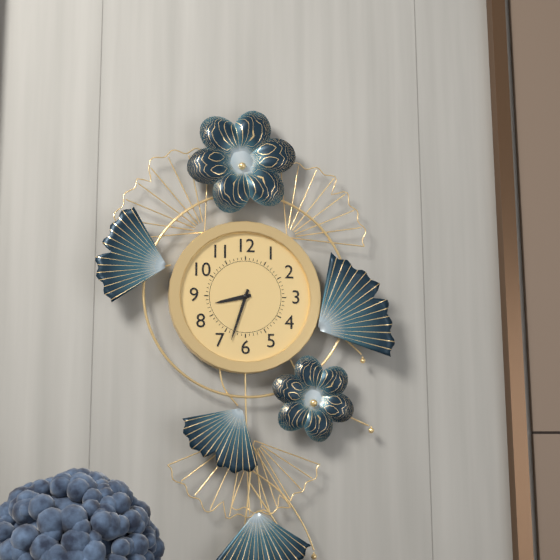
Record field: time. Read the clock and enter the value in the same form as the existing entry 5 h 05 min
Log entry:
8 h 33 min
